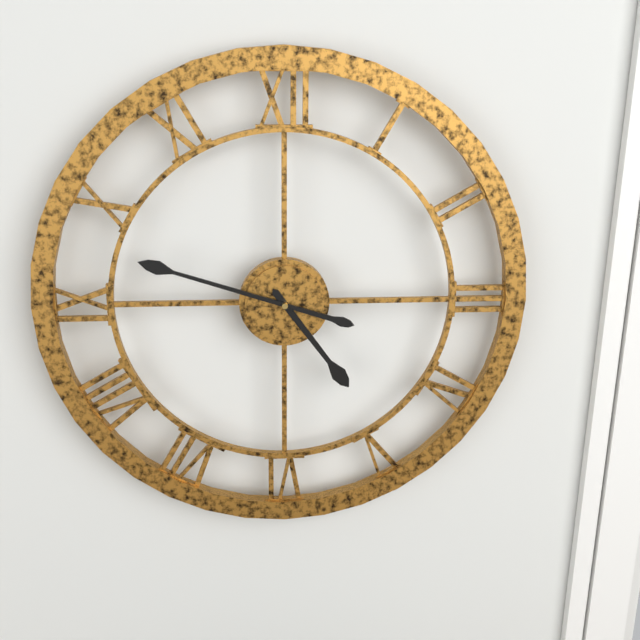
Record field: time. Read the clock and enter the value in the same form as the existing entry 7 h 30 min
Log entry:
4 h 48 min
